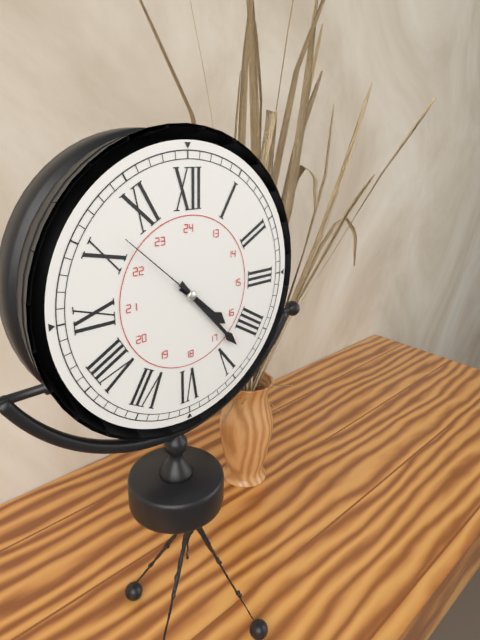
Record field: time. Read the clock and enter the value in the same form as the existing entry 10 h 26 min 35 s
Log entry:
4 h 23 min 52 s
